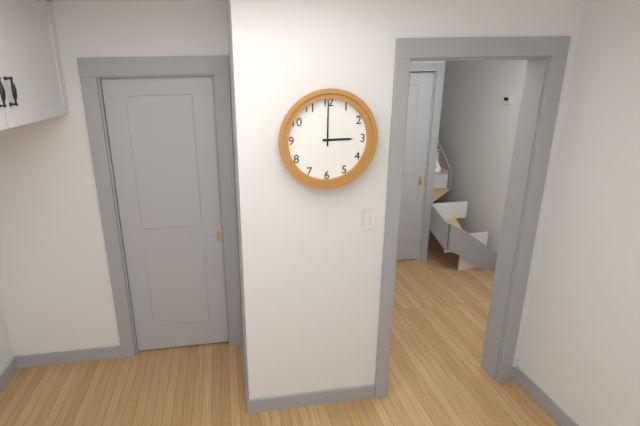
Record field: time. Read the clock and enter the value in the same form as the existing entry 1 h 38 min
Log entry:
3 h 00 min
